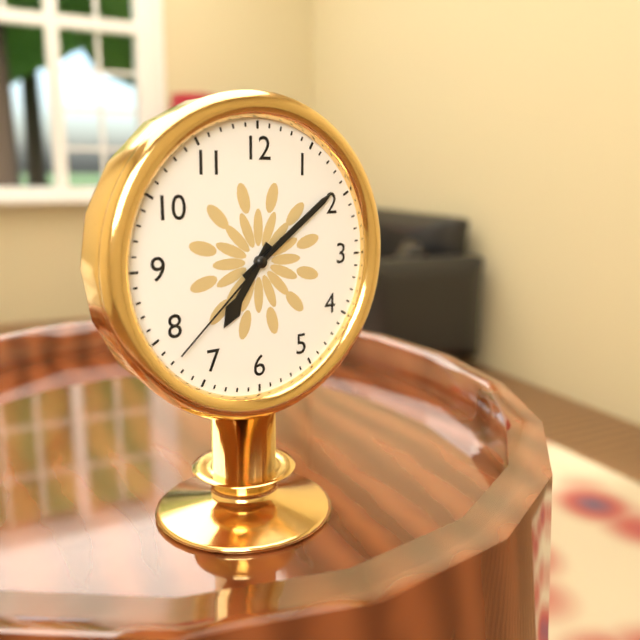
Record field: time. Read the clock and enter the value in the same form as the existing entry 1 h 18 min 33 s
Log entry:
7 h 09 min 38 s
